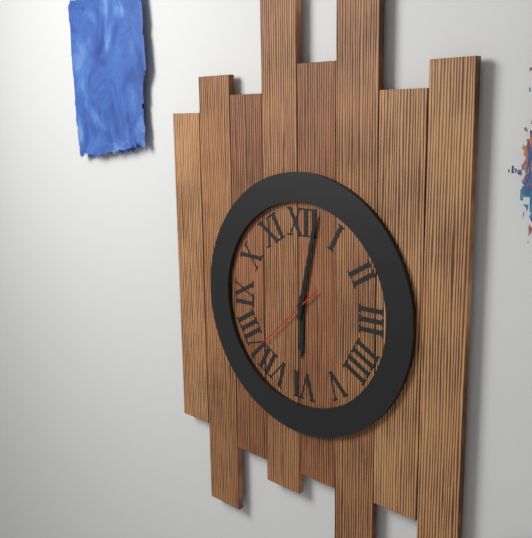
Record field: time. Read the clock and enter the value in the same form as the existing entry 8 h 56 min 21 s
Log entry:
6 h 02 min 38 s
